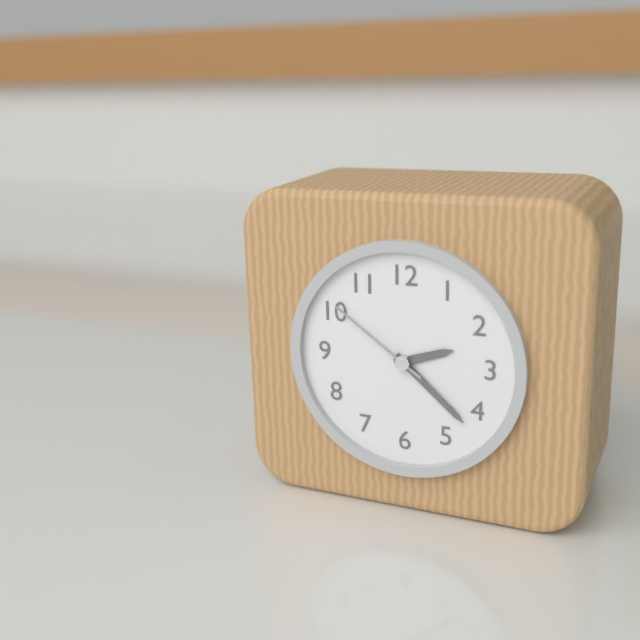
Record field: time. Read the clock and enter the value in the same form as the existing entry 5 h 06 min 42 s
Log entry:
2 h 22 min 51 s
